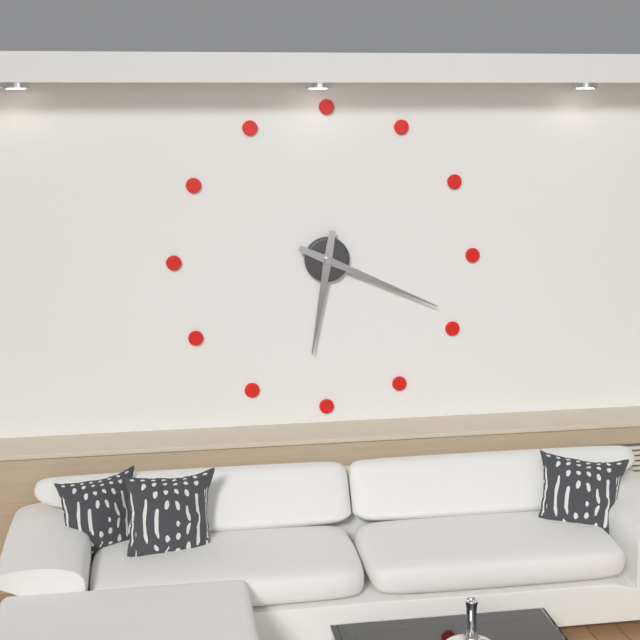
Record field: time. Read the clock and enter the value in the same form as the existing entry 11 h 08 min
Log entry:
6 h 19 min
